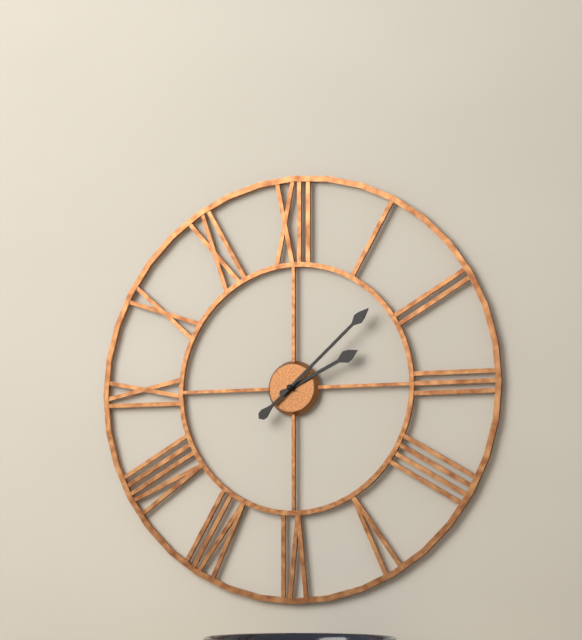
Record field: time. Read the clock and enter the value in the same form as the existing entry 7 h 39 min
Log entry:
2 h 08 min
